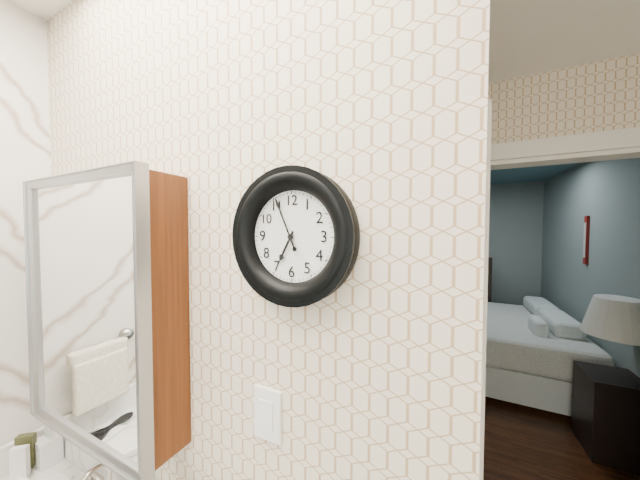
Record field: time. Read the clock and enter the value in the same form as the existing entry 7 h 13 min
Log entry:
6 h 56 min
